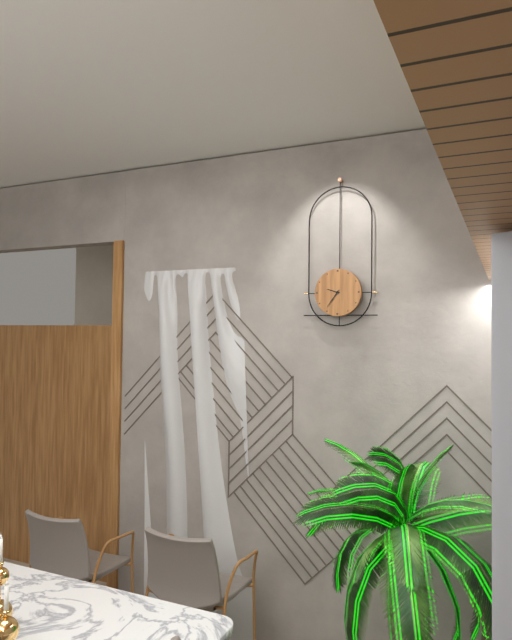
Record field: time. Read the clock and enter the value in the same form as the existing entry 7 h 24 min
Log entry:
9 h 36 min
